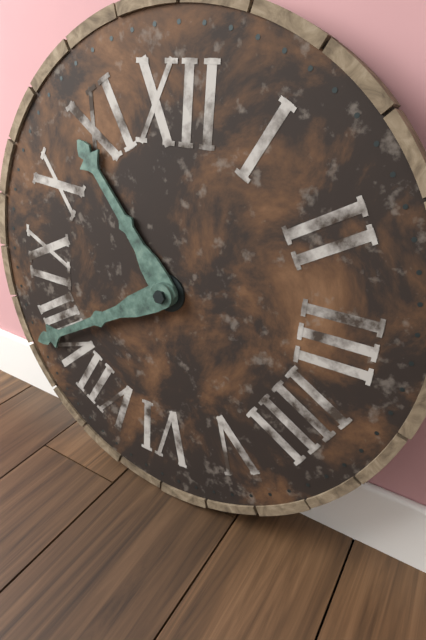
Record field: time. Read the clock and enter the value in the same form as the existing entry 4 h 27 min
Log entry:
10 h 40 min
